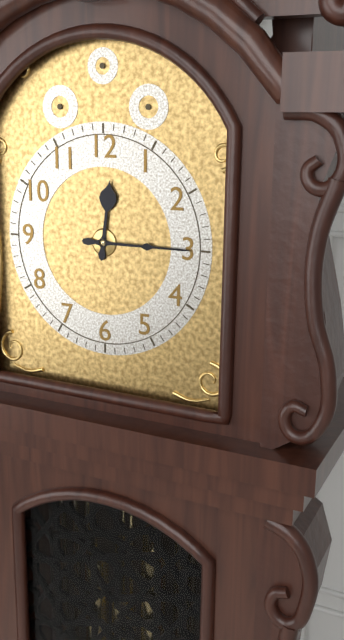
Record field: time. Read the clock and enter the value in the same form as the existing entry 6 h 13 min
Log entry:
12 h 15 min
